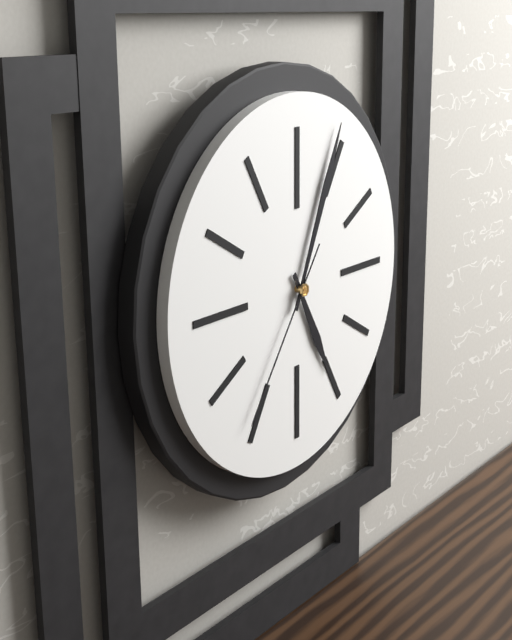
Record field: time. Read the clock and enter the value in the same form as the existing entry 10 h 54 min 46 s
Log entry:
5 h 04 min 36 s
